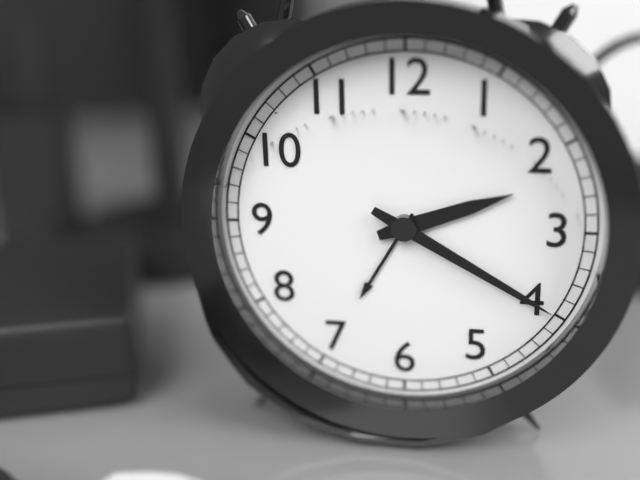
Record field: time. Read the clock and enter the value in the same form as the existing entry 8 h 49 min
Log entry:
2 h 20 min
